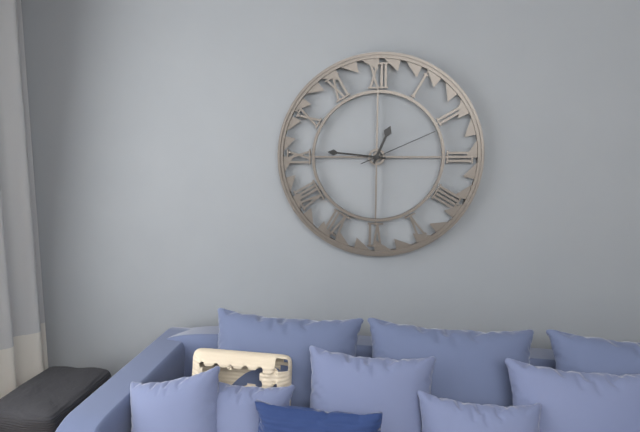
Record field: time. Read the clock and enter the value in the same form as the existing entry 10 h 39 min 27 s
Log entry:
12 h 46 min 11 s
